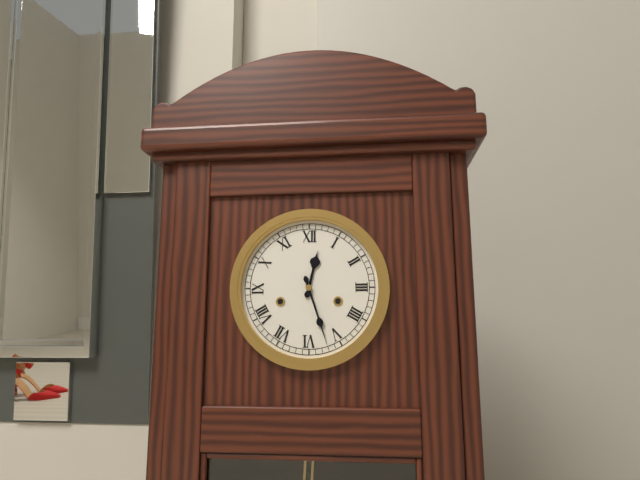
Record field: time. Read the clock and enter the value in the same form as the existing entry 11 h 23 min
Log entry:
12 h 27 min
